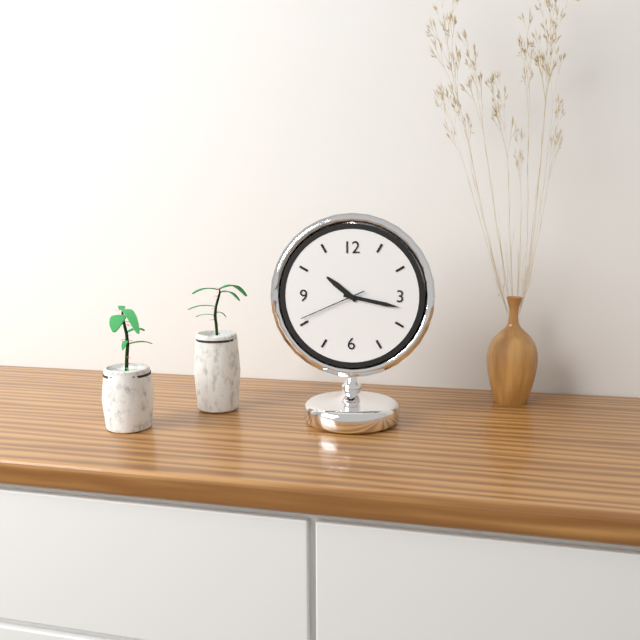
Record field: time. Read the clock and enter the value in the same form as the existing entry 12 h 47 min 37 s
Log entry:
10 h 17 min 41 s
